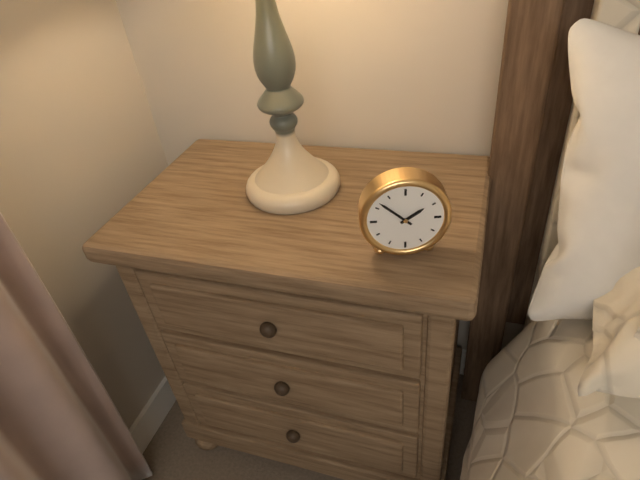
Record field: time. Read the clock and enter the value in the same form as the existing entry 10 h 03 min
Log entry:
1 h 52 min
